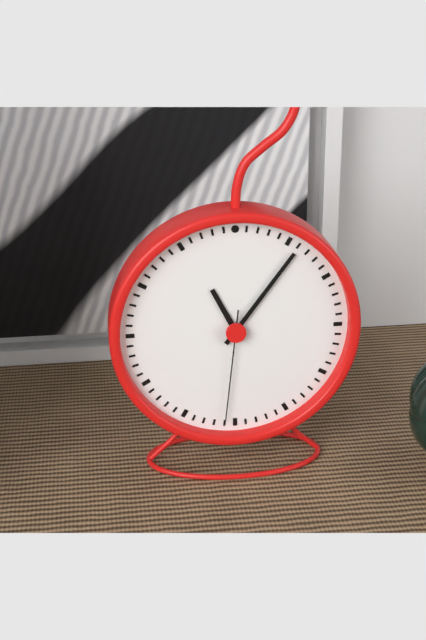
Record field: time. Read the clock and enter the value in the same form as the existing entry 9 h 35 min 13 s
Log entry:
11 h 06 min 31 s
